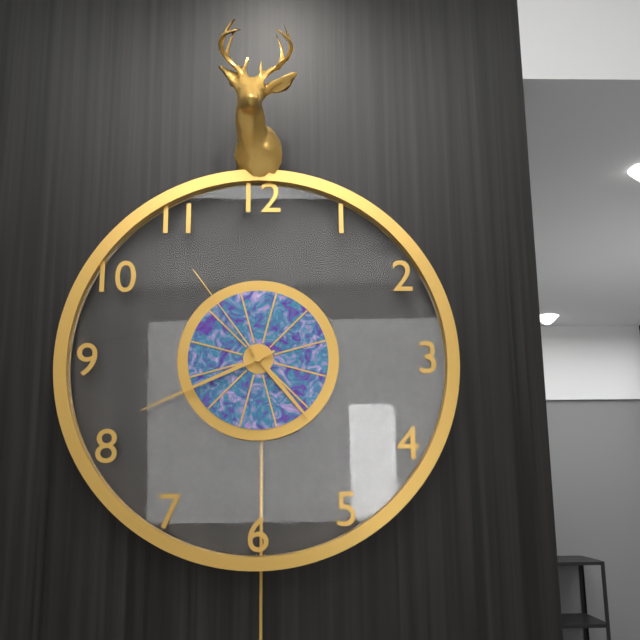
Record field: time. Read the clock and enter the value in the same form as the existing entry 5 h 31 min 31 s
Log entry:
4 h 41 min 54 s
